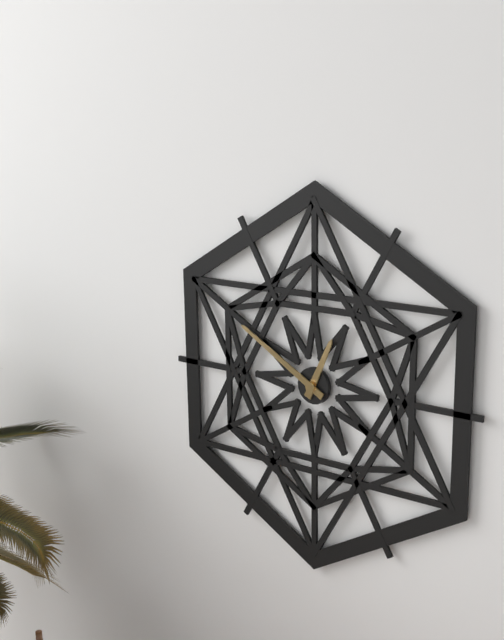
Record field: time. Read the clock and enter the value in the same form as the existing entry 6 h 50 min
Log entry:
12 h 50 min
